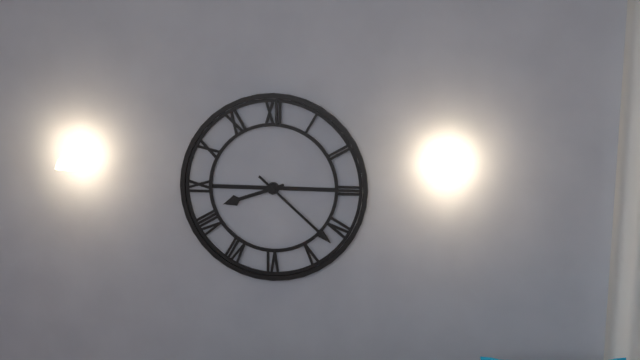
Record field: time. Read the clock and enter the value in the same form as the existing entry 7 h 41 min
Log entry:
8 h 22 min
